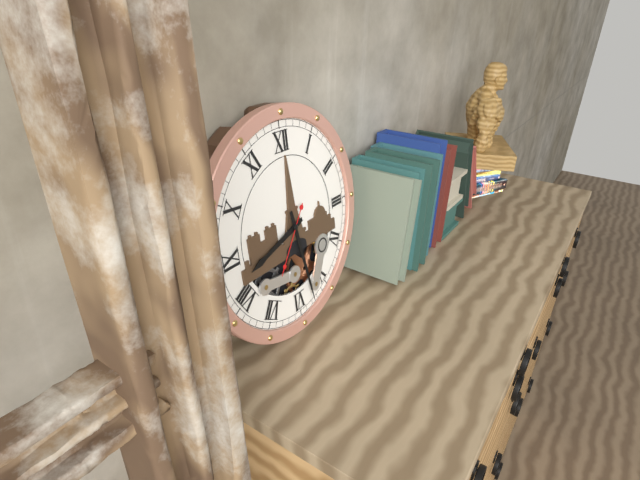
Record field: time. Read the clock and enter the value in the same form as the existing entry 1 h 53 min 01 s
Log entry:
8 h 28 min 36 s
